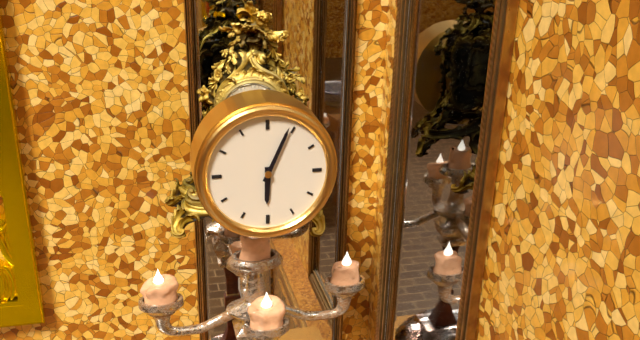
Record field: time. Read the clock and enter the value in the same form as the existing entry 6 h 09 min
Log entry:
6 h 04 min
